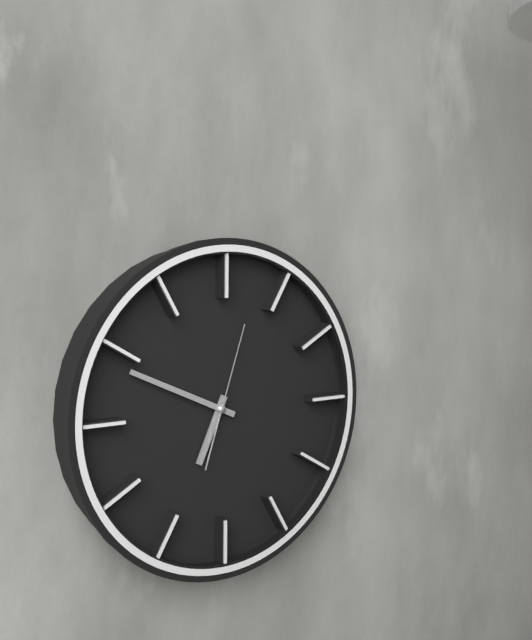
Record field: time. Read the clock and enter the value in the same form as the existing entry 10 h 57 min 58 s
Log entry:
6 h 49 min 03 s
